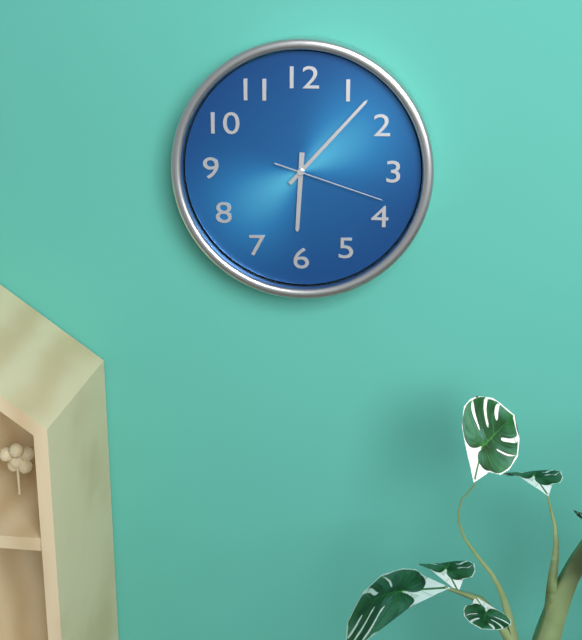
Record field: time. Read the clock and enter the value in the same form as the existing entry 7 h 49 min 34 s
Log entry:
6 h 07 min 18 s
